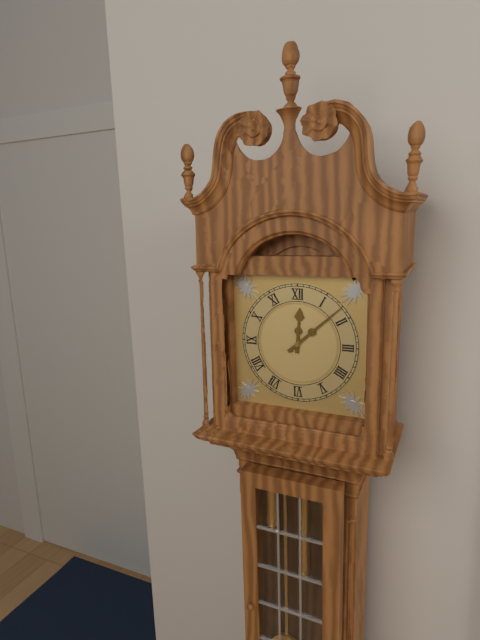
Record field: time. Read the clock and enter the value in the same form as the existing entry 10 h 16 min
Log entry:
12 h 08 min
